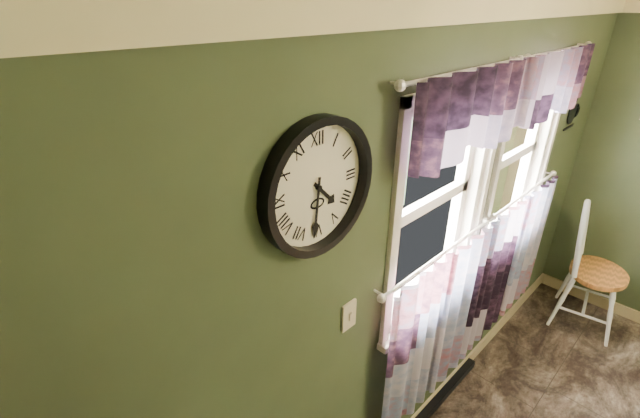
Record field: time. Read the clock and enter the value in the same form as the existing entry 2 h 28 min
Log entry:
4 h 31 min
